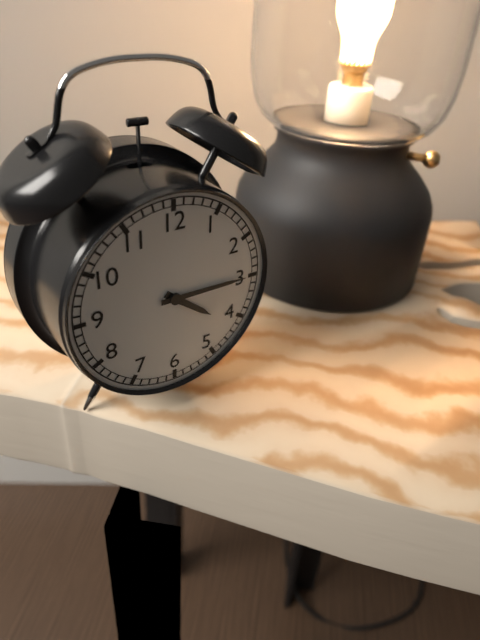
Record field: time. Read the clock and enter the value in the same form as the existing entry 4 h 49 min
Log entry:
4 h 15 min
